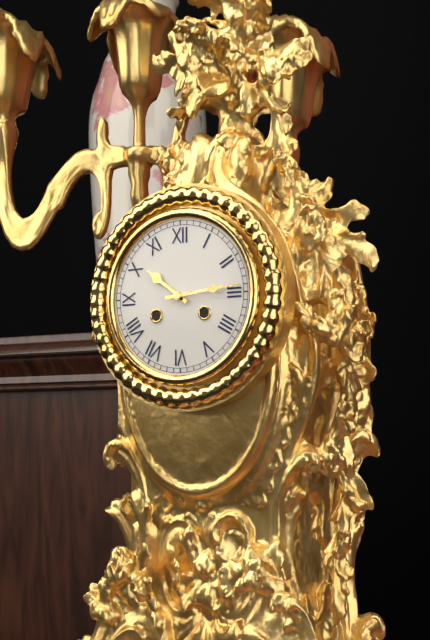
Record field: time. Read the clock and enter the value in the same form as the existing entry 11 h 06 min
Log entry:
10 h 14 min
